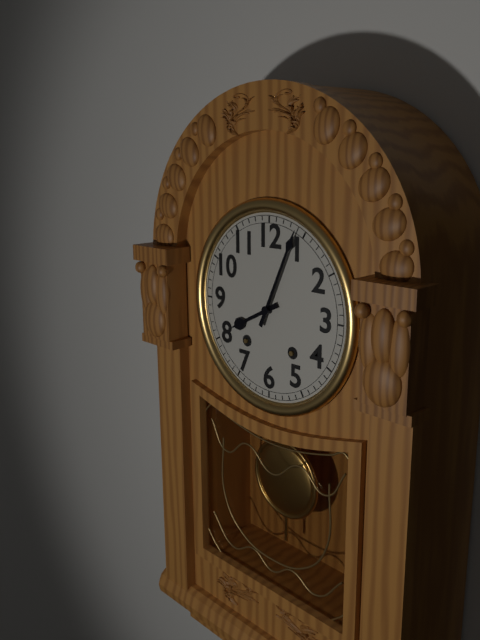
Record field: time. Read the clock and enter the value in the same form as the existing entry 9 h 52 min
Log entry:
8 h 04 min
